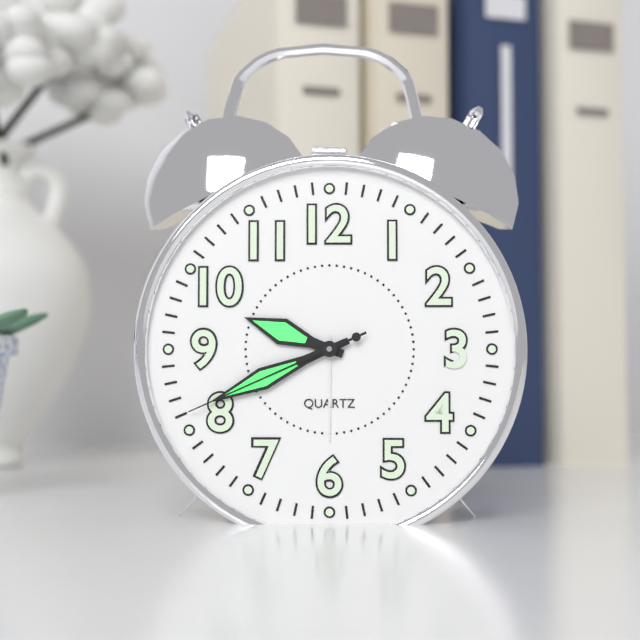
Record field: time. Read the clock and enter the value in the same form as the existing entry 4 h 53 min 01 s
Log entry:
9 h 41 min 41 s
